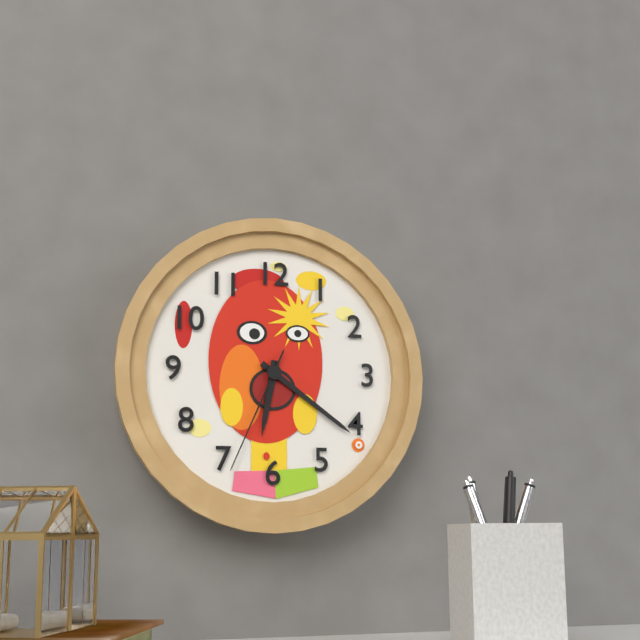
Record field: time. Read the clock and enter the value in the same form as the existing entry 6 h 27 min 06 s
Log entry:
6 h 21 min 34 s
